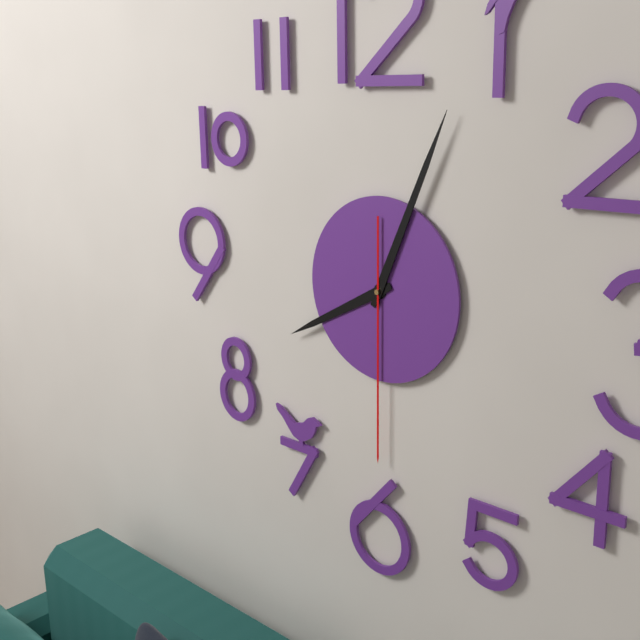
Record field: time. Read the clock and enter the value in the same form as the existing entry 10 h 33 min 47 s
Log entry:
8 h 04 min 30 s
